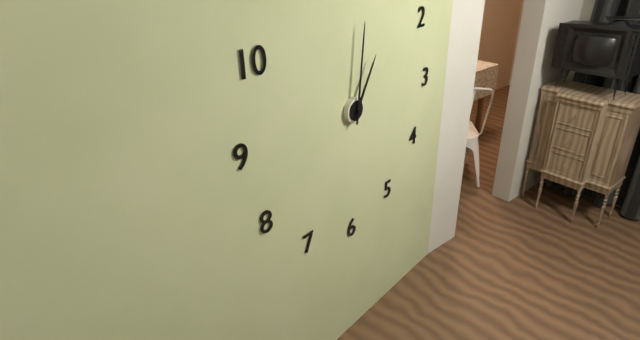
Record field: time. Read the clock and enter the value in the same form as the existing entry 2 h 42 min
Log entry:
1 h 01 min
